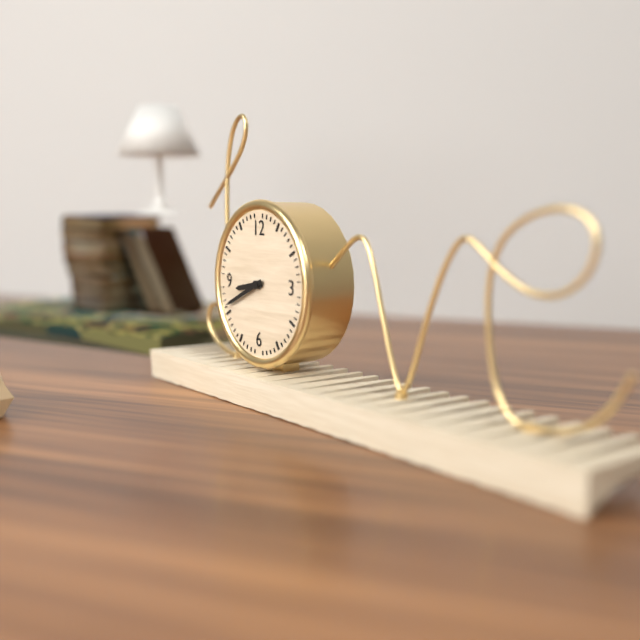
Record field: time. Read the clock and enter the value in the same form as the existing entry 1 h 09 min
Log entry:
8 h 41 min
